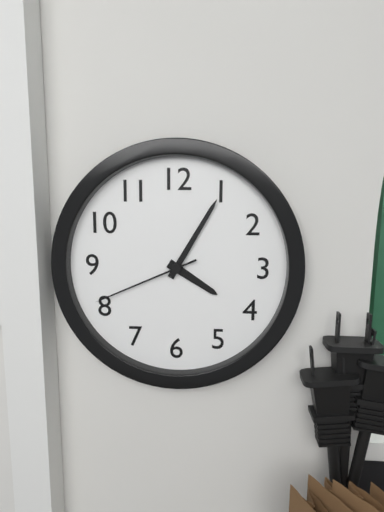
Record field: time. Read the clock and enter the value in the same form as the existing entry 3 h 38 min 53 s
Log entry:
4 h 05 min 41 s
